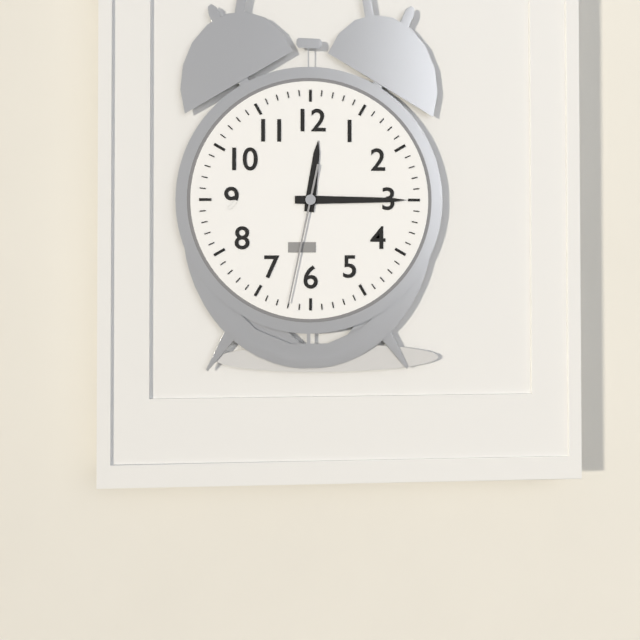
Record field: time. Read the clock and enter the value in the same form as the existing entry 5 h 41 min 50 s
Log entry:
12 h 15 min 32 s
